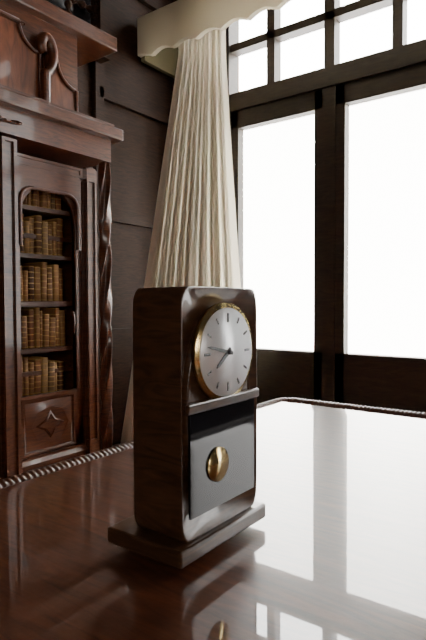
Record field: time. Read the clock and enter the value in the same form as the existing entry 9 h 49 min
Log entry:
7 h 47 min
